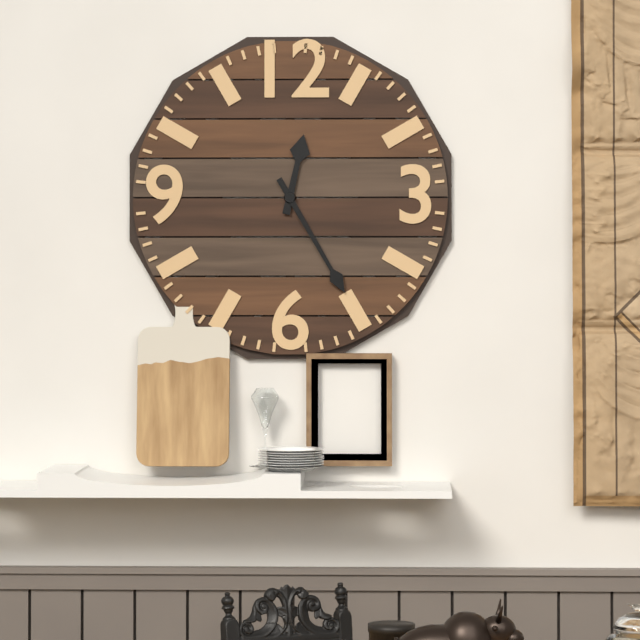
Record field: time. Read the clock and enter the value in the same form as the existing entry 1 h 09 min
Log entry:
12 h 25 min
